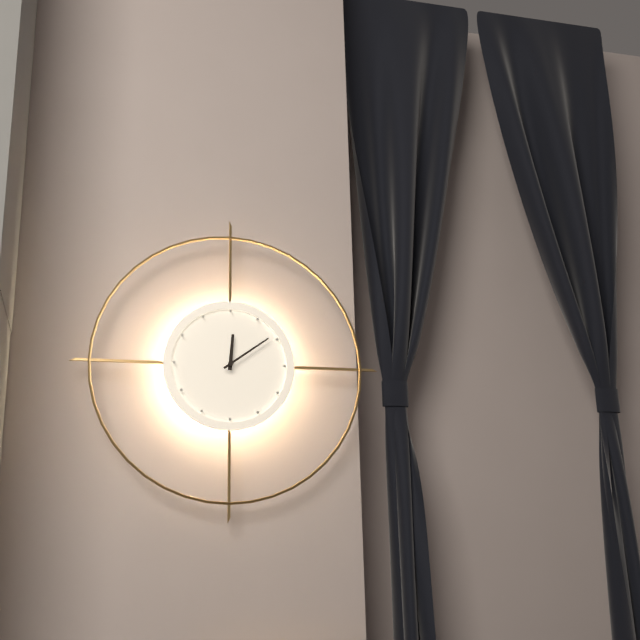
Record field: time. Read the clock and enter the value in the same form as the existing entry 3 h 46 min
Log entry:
12 h 09 min
